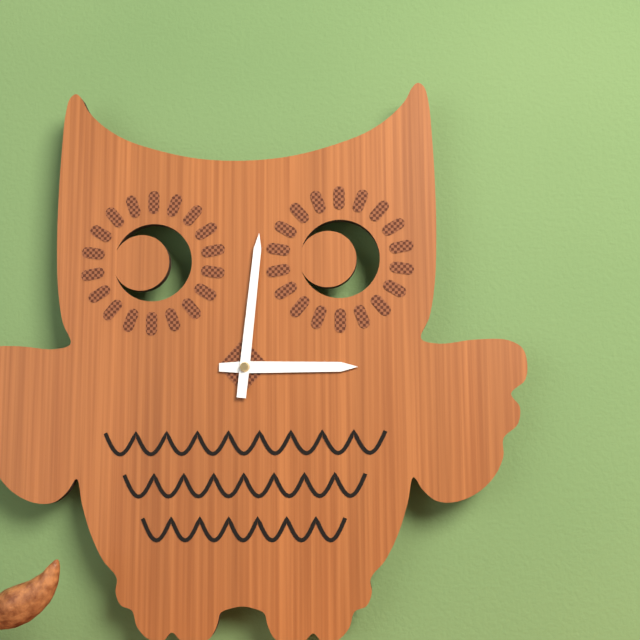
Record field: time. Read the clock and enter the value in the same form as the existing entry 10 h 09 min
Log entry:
3 h 01 min
